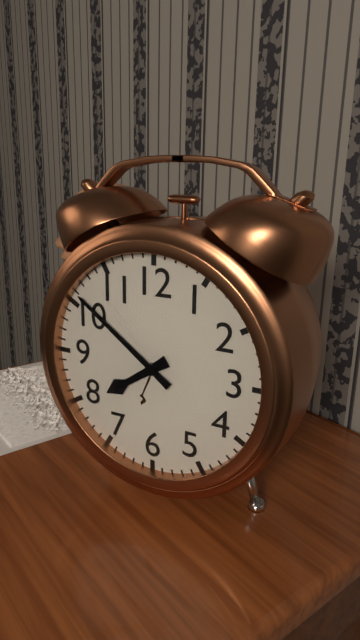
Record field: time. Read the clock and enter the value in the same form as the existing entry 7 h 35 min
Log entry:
7 h 51 min
